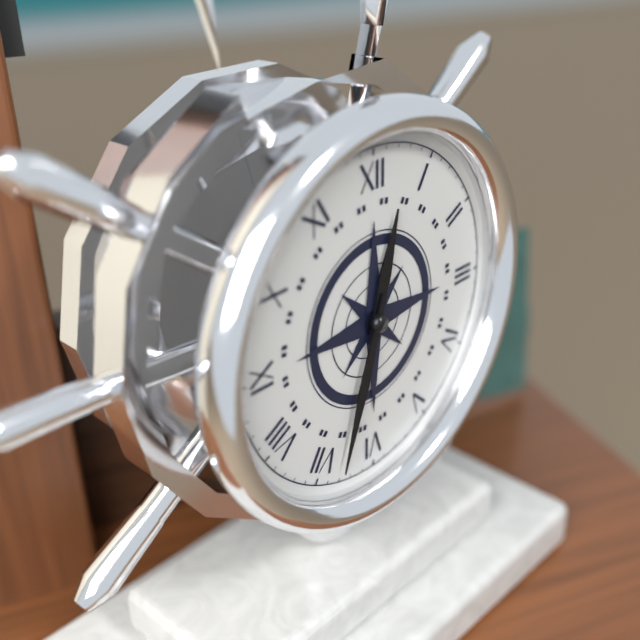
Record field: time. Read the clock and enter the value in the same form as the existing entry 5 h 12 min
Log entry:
12 h 33 min
